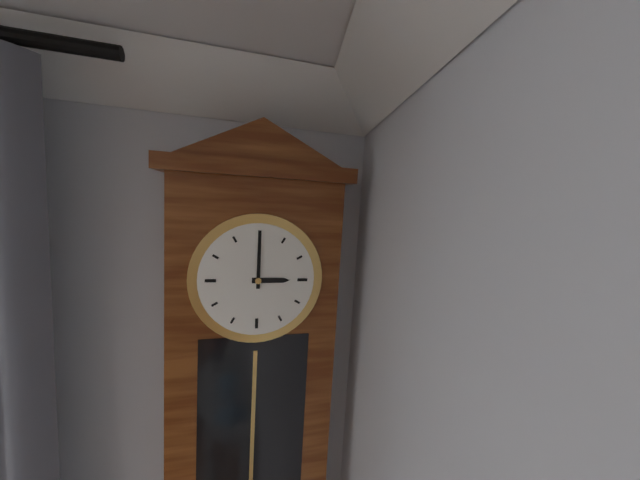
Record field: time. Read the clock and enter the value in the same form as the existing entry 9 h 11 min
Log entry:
3 h 00 min
